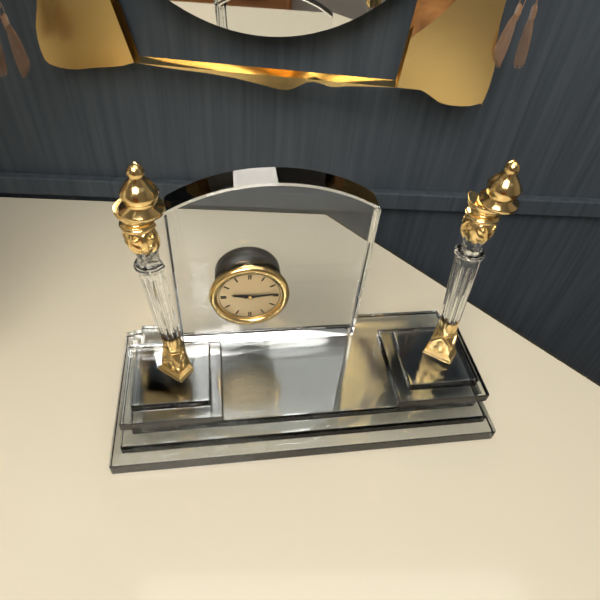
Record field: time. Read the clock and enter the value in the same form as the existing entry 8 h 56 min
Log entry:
9 h 14 min
